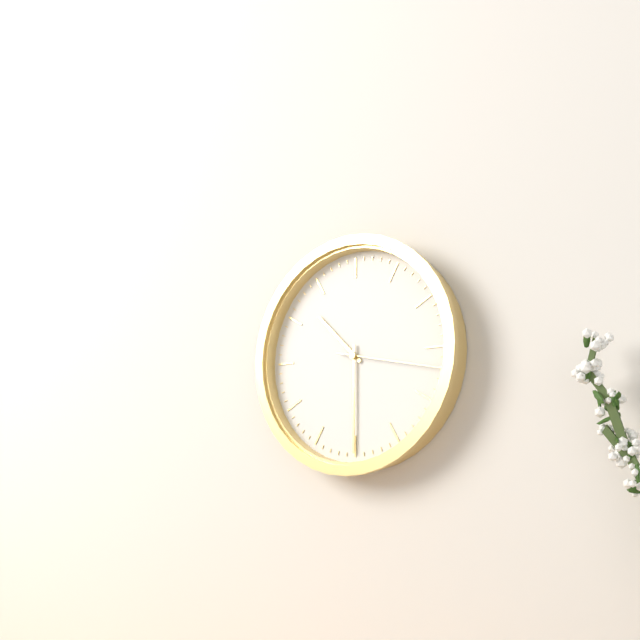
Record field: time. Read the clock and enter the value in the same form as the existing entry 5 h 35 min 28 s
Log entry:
10 h 30 min 17 s
